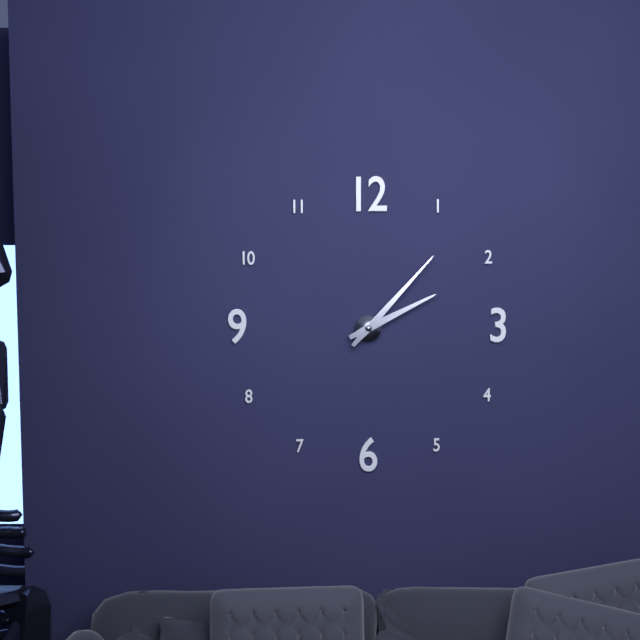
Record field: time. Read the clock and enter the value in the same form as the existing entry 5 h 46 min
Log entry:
2 h 07 min
